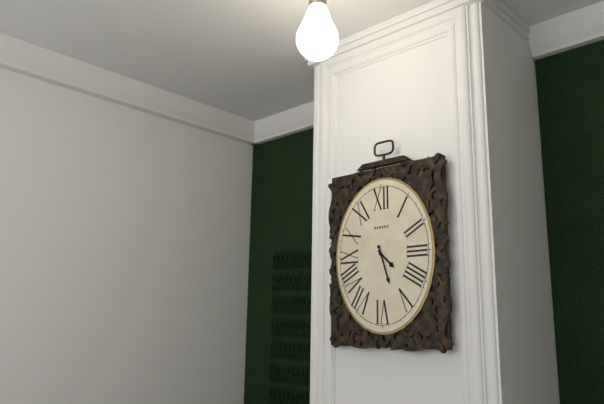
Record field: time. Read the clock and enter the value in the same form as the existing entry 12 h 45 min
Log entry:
4 h 27 min
